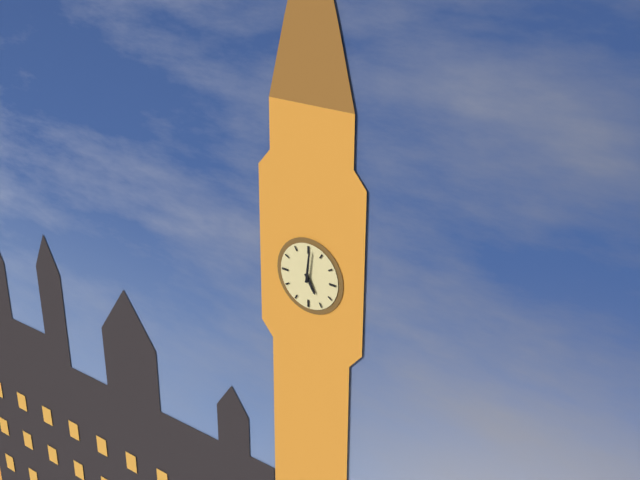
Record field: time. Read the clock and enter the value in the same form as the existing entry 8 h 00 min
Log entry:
5 h 01 min
